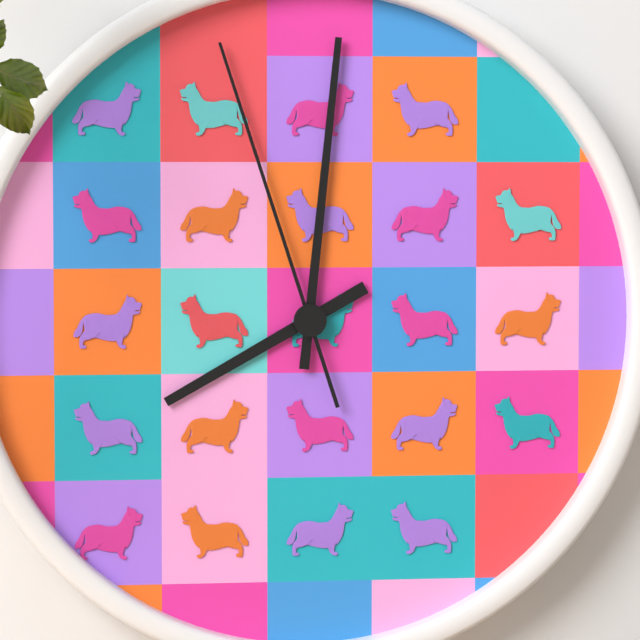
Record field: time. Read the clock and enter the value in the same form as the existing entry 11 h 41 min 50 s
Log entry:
8 h 01 min 57 s
